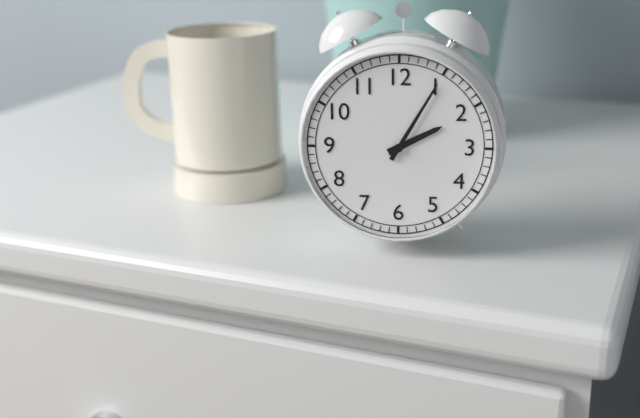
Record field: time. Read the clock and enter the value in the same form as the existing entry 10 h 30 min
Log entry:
2 h 05 min
